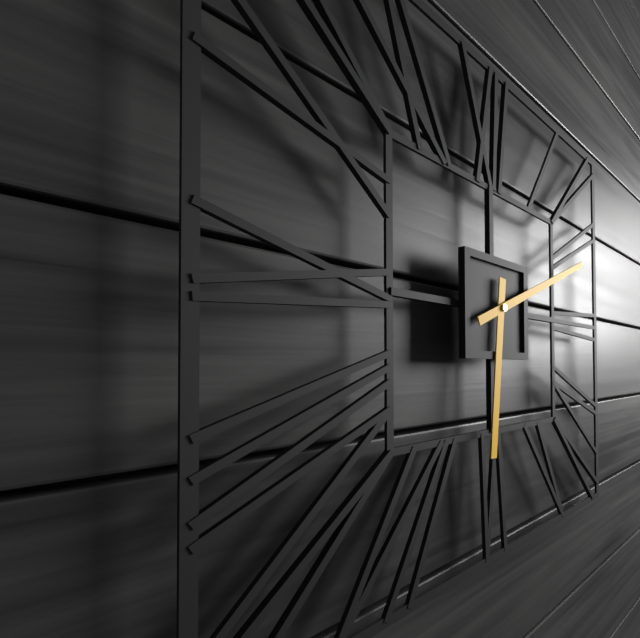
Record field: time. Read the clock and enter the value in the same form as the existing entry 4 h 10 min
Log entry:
6 h 11 min
